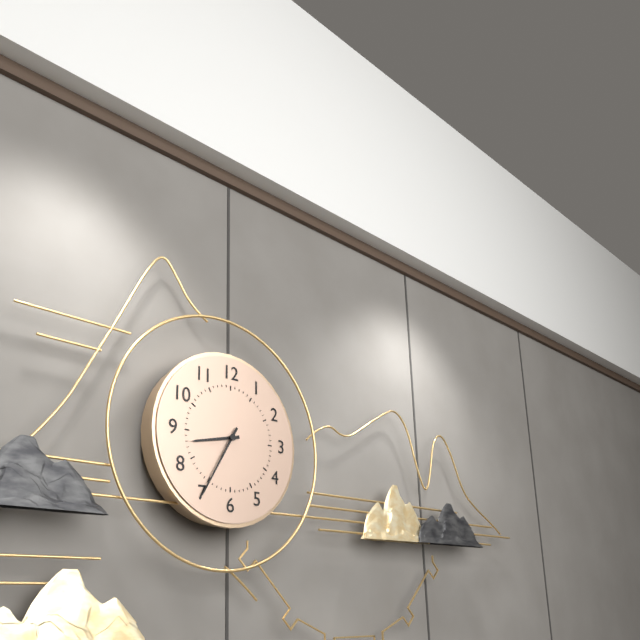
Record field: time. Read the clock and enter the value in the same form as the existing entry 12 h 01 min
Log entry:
8 h 35 min
